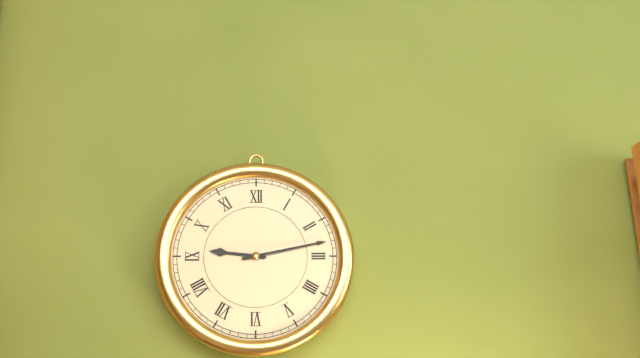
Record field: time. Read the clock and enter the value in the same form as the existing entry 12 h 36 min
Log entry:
9 h 13 min
